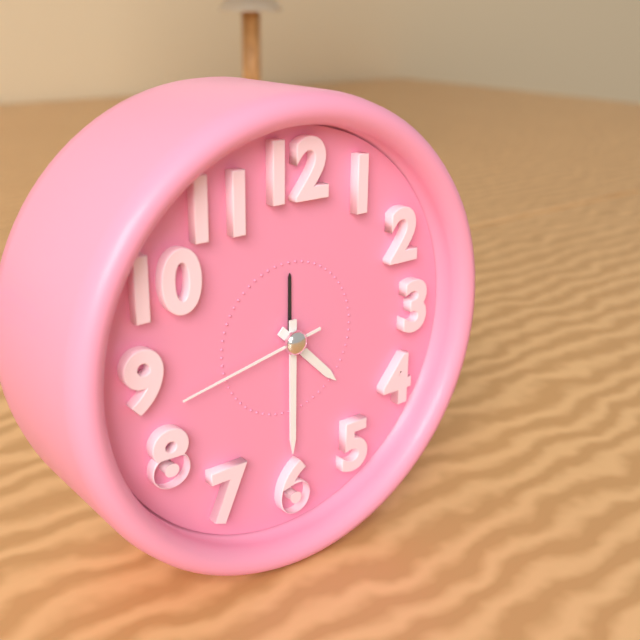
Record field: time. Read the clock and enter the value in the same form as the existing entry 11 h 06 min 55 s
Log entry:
4 h 30 min 43 s
